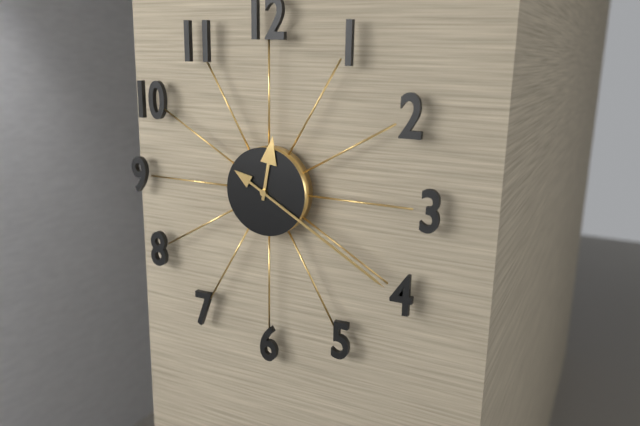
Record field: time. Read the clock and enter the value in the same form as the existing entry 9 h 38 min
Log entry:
12 h 20 min
